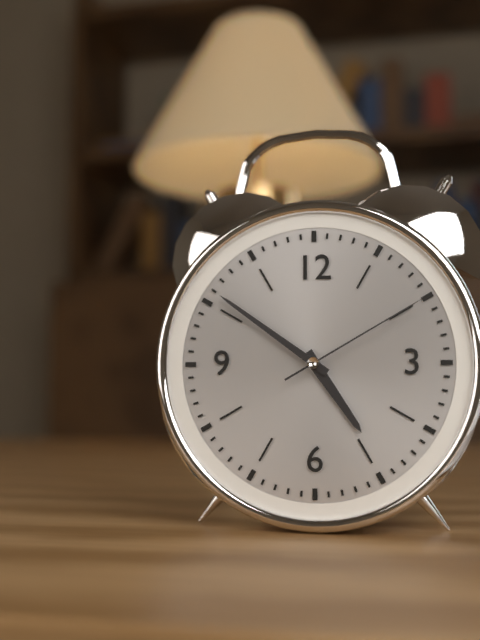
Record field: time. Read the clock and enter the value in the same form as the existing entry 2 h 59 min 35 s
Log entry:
4 h 51 min 10 s
